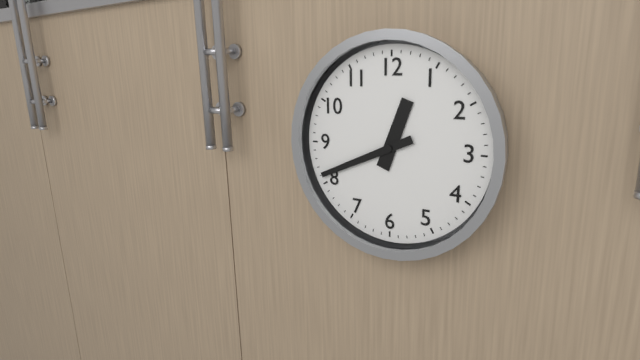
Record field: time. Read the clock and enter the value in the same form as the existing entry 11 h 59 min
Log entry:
12 h 41 min
